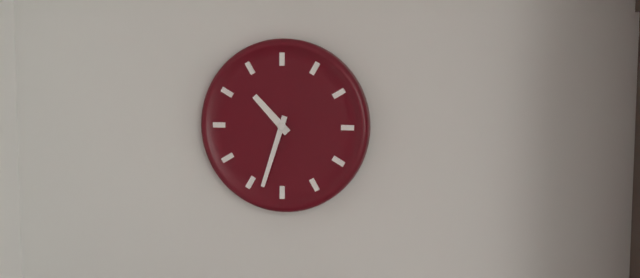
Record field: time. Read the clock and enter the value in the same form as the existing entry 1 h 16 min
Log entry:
10 h 33 min
